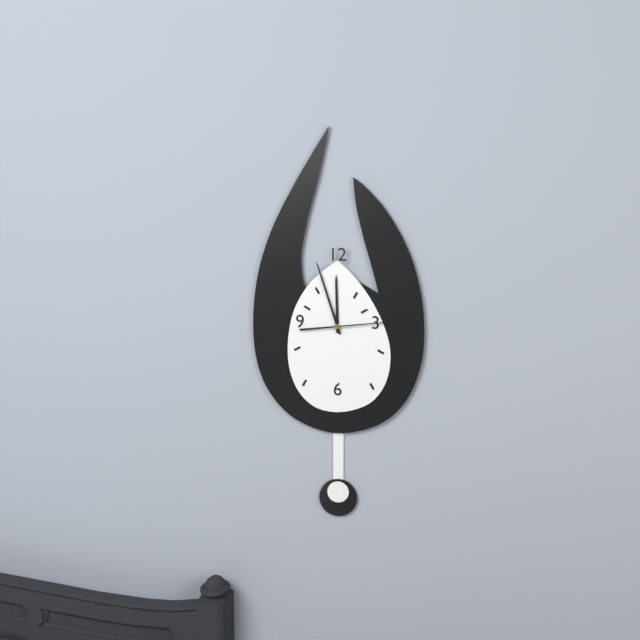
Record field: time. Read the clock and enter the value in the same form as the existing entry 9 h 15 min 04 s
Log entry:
11 h 57 min 14 s
